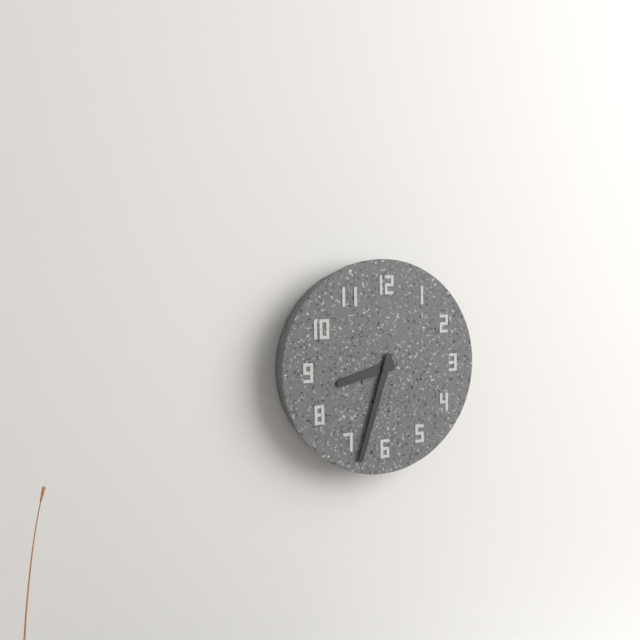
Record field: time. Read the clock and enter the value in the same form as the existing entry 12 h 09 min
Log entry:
8 h 33 min
